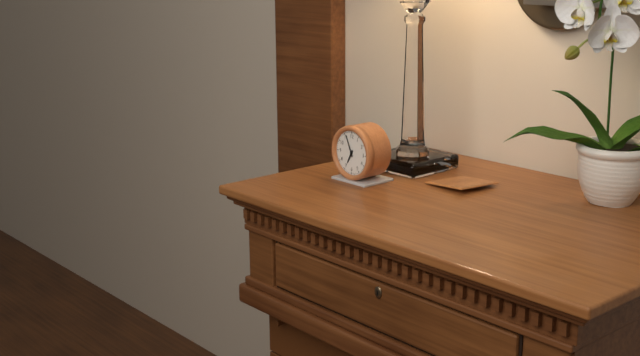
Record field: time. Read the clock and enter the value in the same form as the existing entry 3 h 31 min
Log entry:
6 h 56 min
